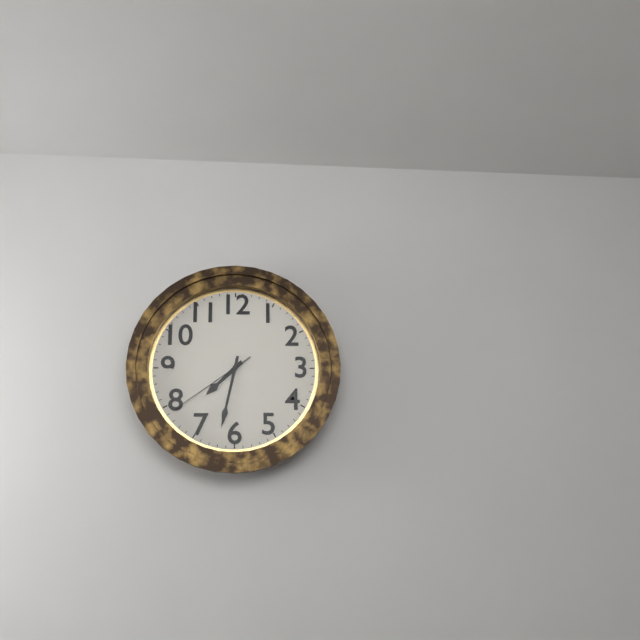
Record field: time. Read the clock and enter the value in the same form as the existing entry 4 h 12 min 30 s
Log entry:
7 h 32 min 39 s
